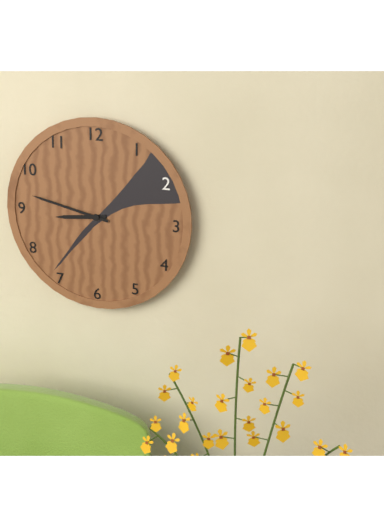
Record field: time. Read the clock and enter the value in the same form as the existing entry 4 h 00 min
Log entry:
8 h 47 min
